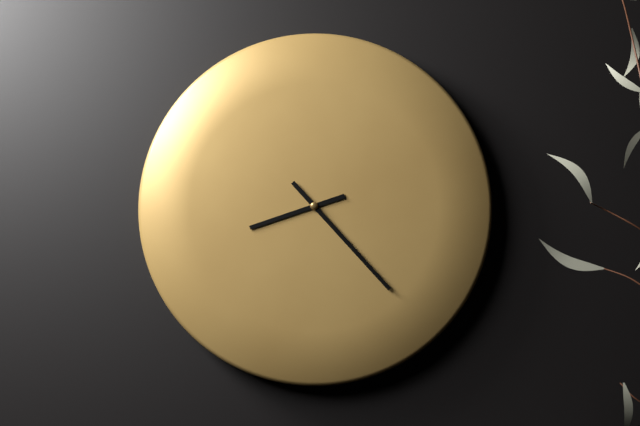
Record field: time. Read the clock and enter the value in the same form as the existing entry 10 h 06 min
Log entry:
8 h 23 min
